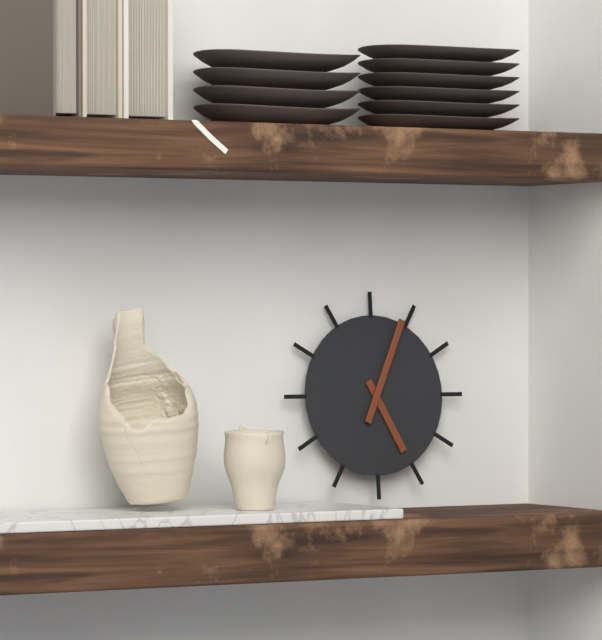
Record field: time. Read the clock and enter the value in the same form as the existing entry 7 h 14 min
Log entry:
5 h 04 min
